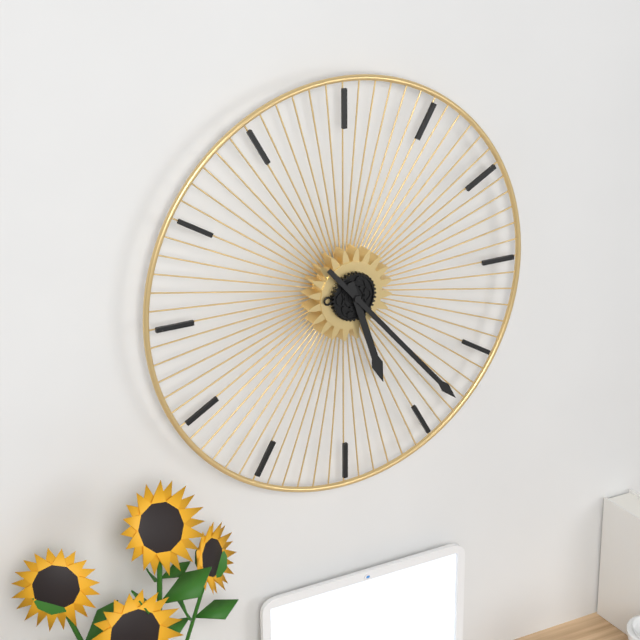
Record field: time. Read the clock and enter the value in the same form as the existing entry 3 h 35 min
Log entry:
5 h 23 min
